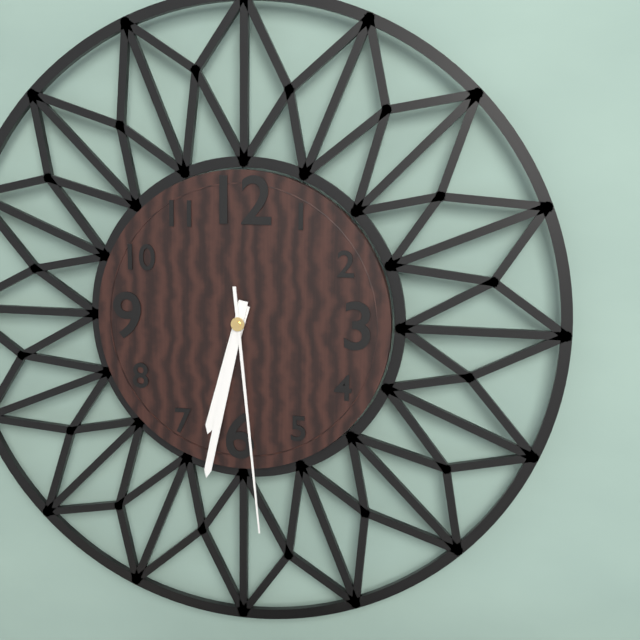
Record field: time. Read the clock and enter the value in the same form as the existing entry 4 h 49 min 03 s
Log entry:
6 h 32 min 29 s
